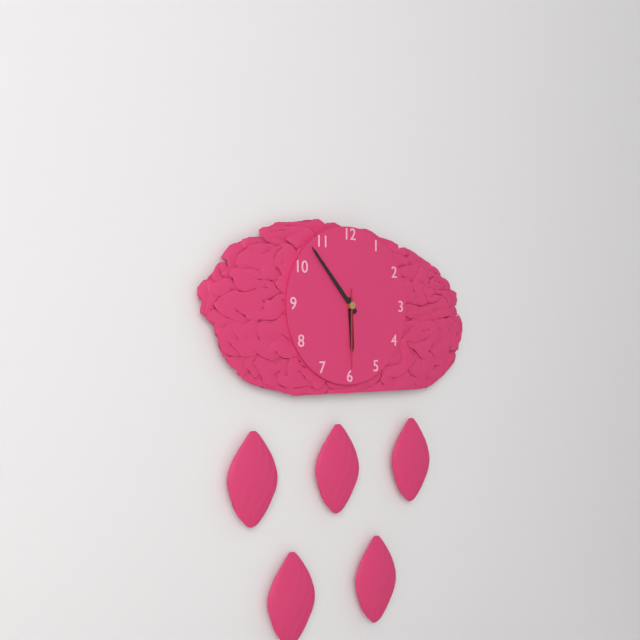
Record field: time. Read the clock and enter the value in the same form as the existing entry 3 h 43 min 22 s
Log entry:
5 h 53 min 30 s
